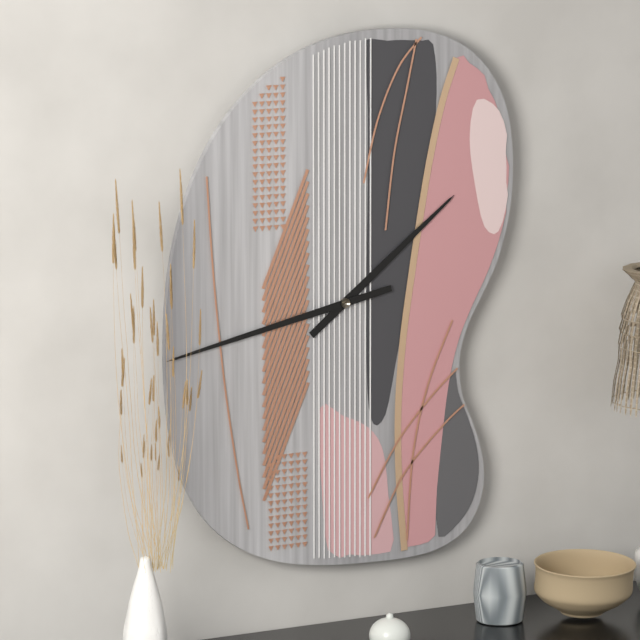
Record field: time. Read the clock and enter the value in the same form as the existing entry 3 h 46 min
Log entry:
1 h 43 min
